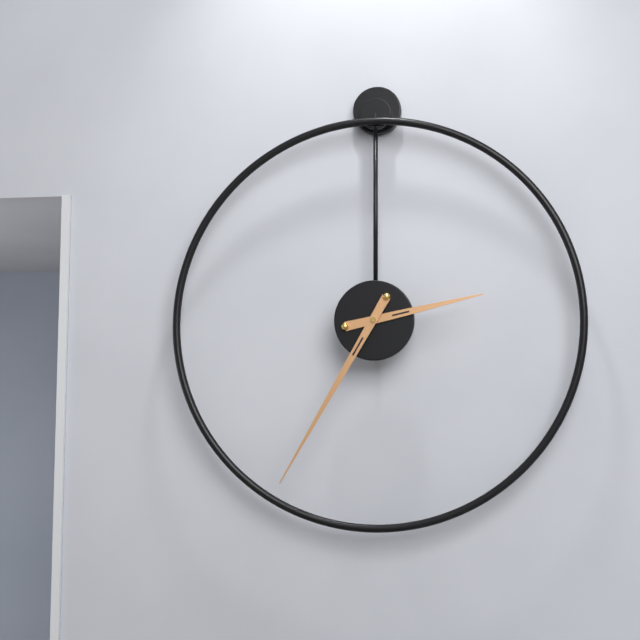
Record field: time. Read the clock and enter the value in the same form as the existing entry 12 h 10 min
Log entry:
2 h 35 min
